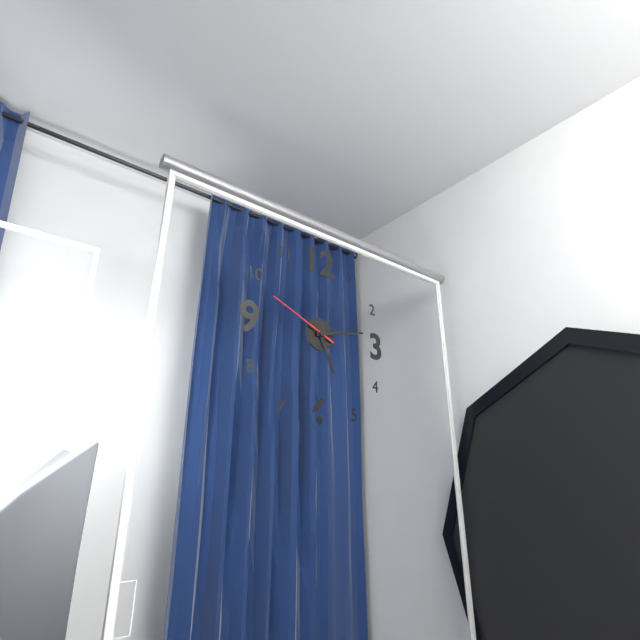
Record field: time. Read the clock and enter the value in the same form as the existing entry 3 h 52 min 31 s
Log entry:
5 h 13 min 49 s
